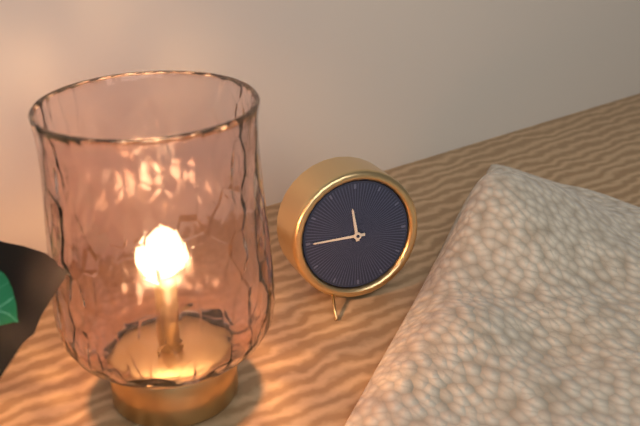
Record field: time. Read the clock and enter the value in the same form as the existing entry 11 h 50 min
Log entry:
11 h 45 min
